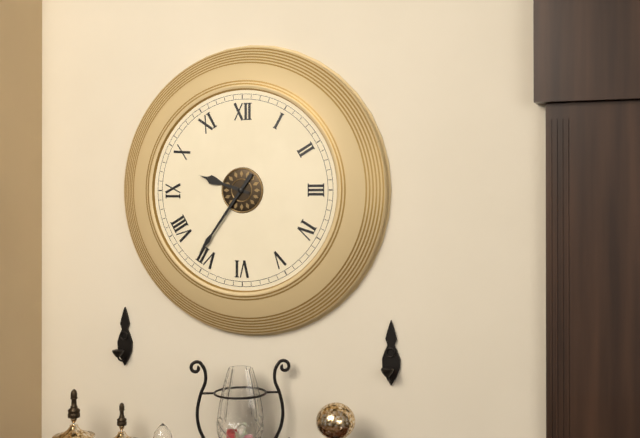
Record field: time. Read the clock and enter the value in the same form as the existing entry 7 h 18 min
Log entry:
9 h 36 min
